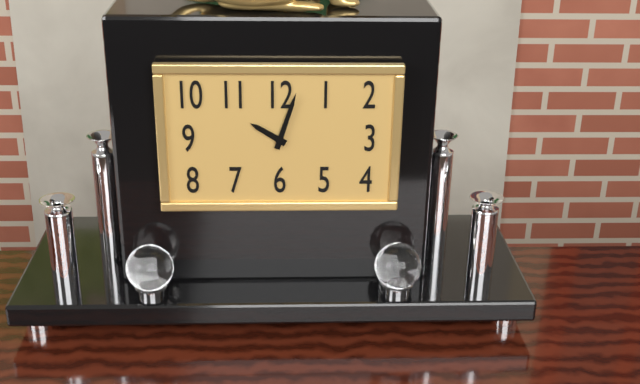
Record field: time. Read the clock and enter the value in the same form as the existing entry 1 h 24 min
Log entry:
10 h 03 min
